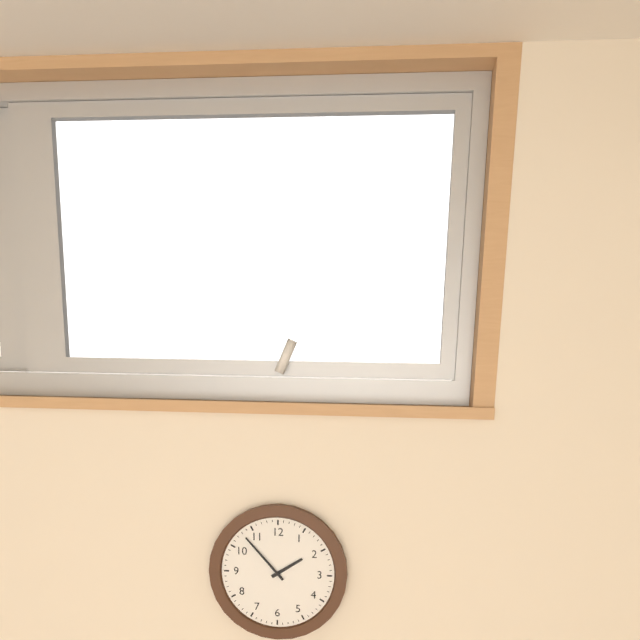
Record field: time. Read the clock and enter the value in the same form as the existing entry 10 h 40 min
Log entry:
1 h 53 min
